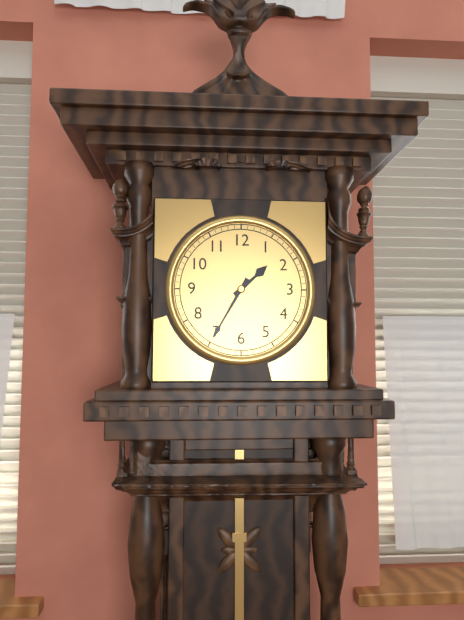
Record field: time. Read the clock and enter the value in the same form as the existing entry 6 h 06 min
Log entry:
1 h 35 min
